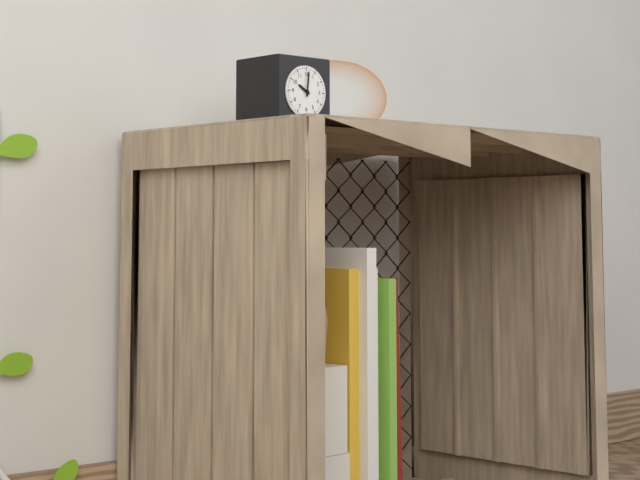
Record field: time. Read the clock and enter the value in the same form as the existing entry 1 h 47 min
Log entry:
10 h 01 min
